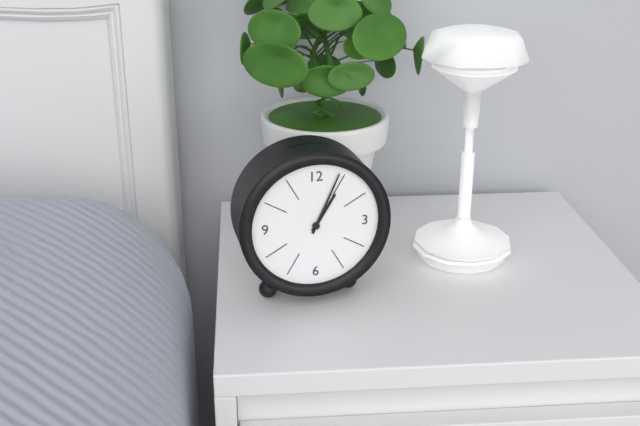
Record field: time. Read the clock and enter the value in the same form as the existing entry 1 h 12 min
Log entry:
1 h 04 min
